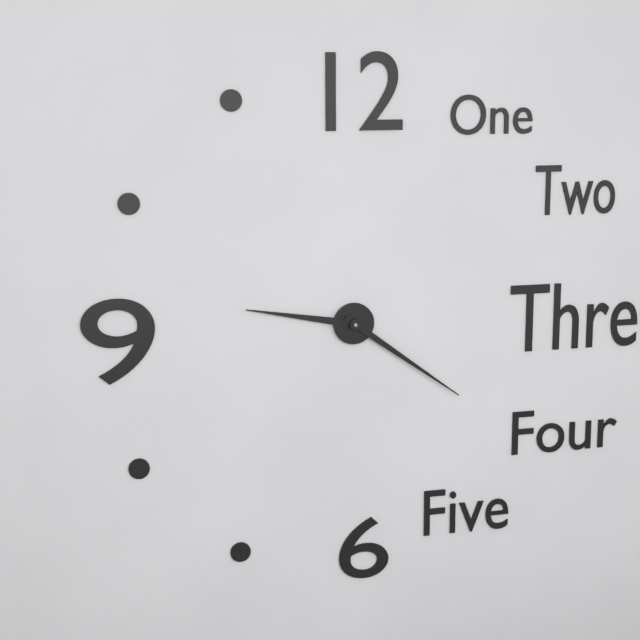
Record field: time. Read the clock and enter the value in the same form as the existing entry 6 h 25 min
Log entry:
9 h 21 min
